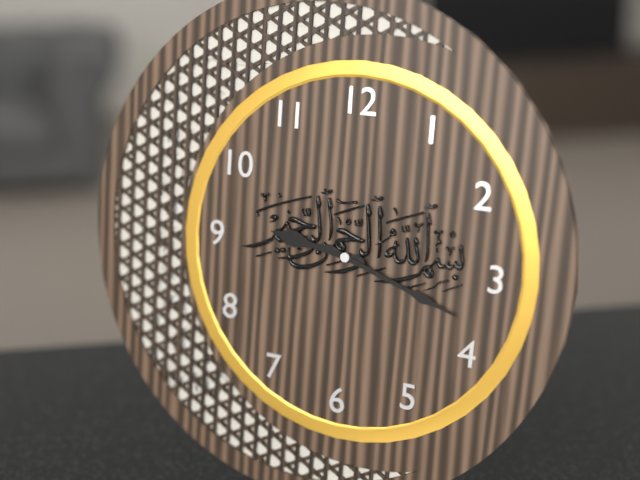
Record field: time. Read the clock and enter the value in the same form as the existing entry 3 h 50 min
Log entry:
9 h 18 min
